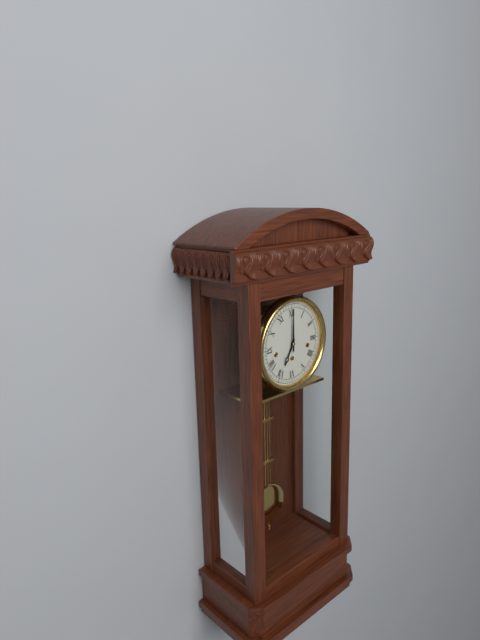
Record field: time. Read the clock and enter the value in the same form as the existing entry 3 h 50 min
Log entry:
7 h 00 min
